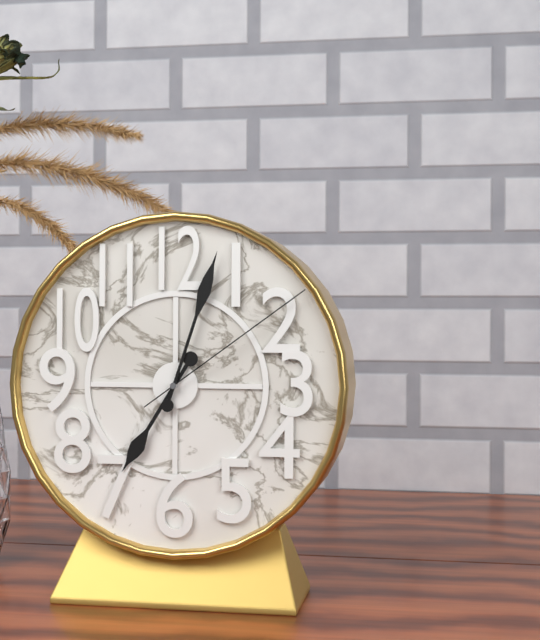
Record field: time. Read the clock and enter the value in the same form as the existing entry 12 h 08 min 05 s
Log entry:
7 h 03 min 09 s
